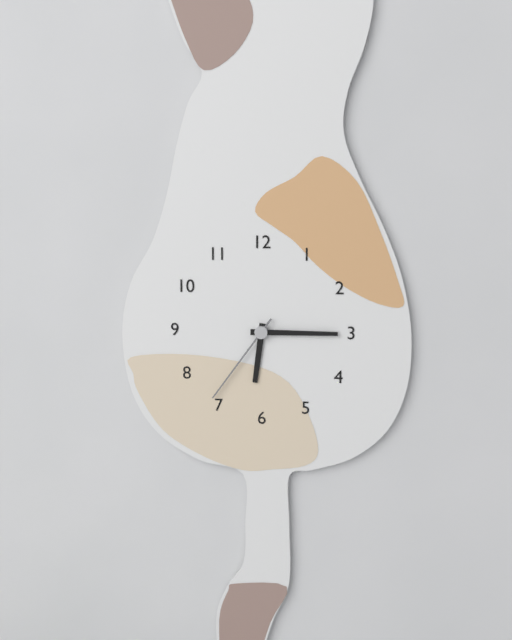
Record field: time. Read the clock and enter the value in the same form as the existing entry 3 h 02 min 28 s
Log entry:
6 h 15 min 36 s
